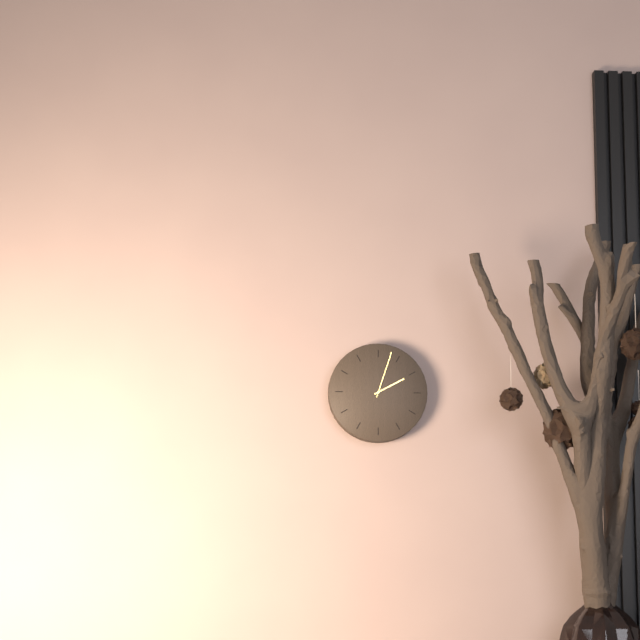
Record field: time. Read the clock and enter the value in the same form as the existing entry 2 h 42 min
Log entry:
2 h 03 min
